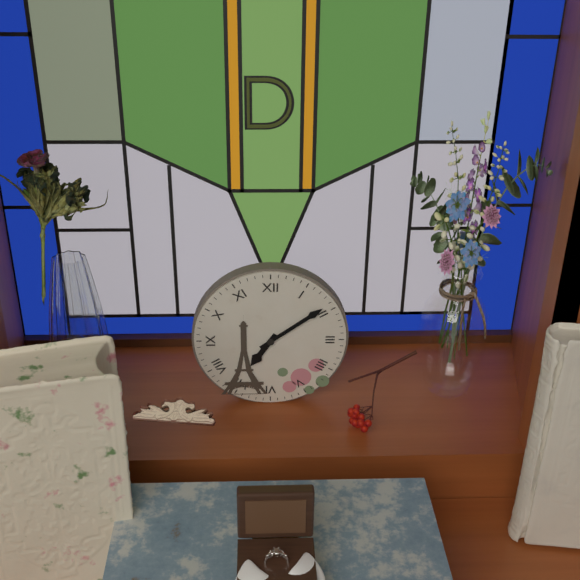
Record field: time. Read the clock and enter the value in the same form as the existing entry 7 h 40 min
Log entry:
7 h 09 min
